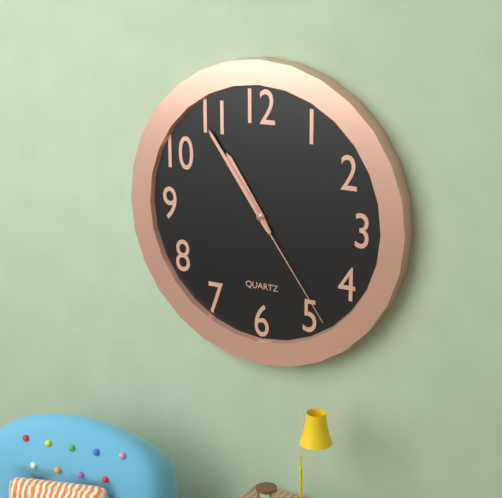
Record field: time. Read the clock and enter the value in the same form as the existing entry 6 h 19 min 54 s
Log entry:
10 h 54 min 24 s
